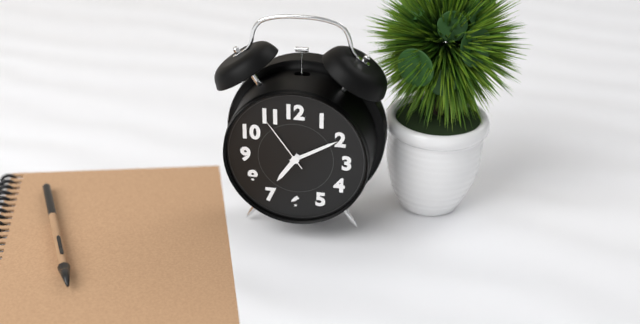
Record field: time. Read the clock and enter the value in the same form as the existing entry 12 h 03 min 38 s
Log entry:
7 h 10 min 54 s
